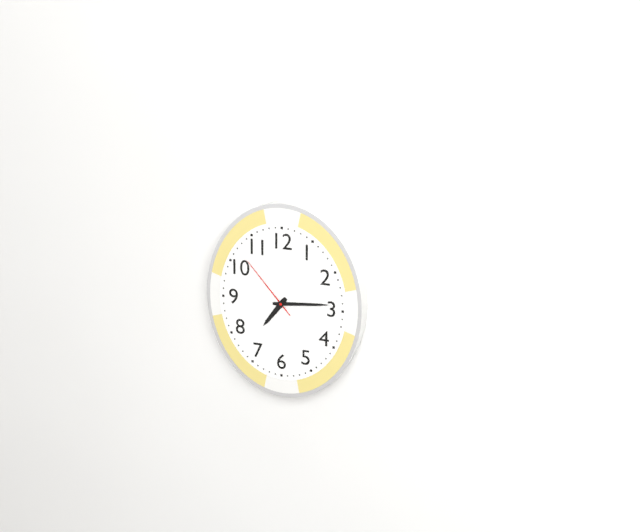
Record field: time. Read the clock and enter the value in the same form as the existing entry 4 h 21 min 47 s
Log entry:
7 h 14 min 53 s
